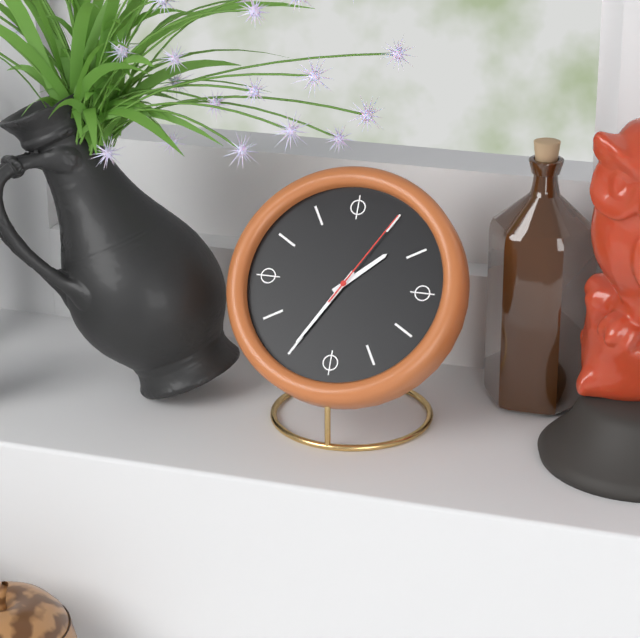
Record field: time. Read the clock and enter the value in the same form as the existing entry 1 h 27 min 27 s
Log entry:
1 h 35 min 05 s
